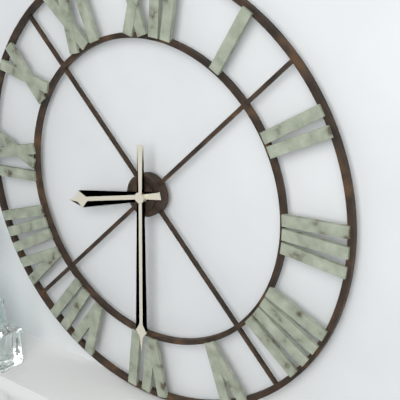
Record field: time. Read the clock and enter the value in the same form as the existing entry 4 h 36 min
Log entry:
8 h 30 min
